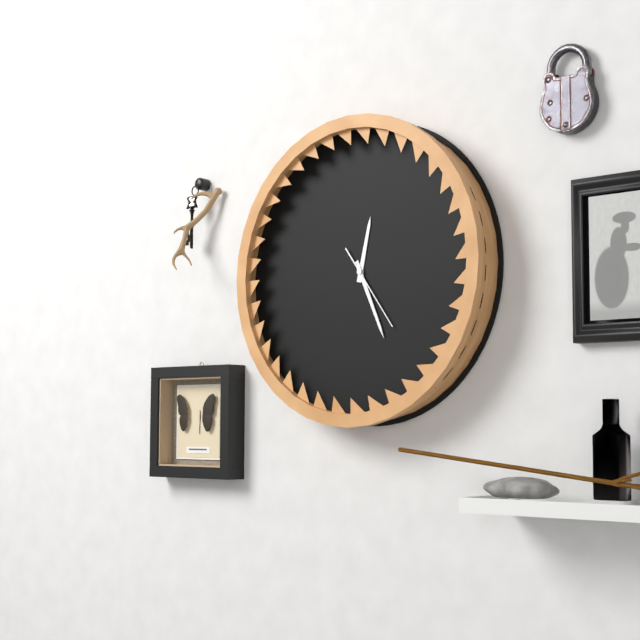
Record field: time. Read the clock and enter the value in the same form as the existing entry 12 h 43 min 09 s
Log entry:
12 h 26 min 24 s
